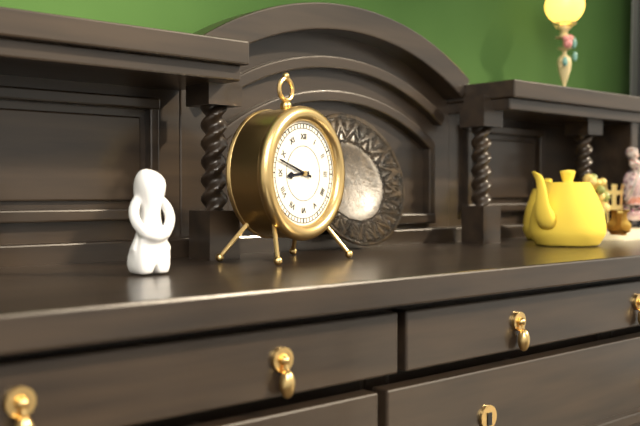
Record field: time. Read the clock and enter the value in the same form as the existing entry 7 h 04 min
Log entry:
8 h 48 min
